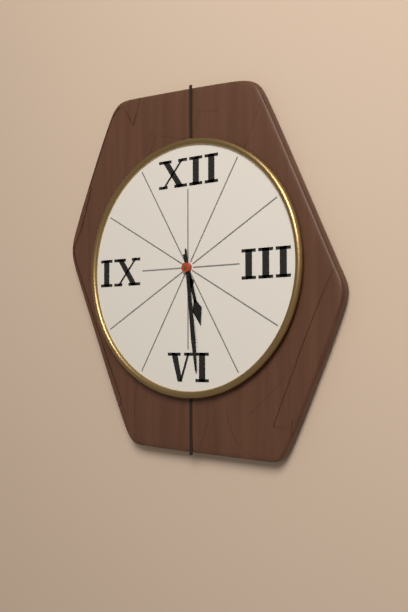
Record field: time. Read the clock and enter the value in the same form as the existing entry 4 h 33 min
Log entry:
5 h 29 min
